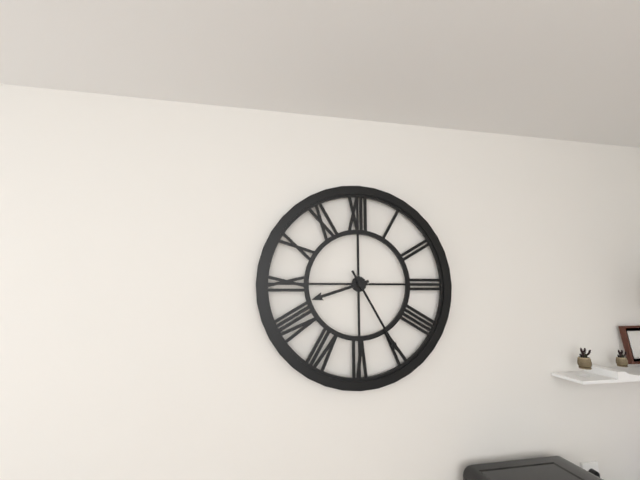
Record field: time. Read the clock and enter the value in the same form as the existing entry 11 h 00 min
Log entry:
8 h 25 min
